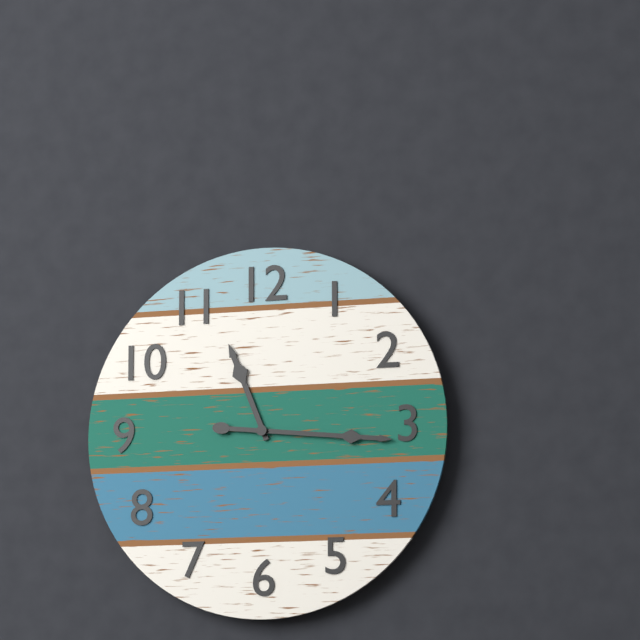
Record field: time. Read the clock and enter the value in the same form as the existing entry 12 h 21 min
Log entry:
11 h 16 min
